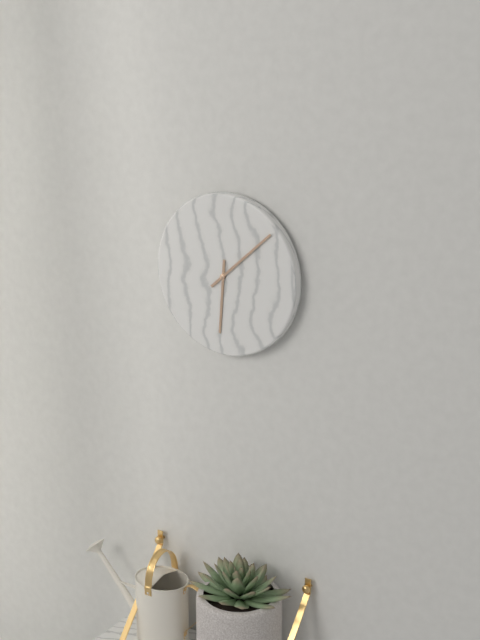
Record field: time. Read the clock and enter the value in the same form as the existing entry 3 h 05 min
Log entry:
6 h 08 min
